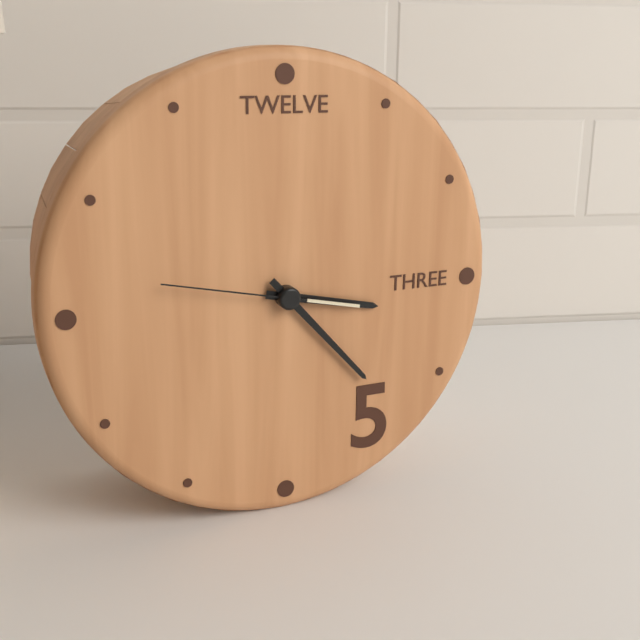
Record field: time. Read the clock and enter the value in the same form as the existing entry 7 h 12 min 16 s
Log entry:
3 h 23 min 47 s
